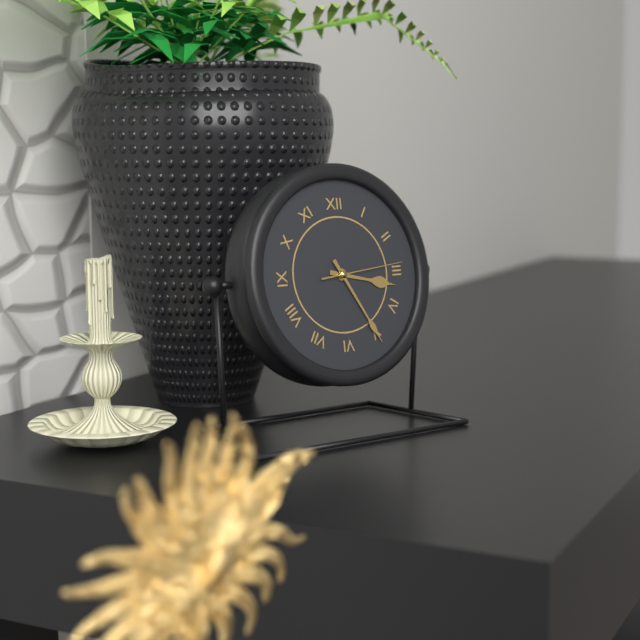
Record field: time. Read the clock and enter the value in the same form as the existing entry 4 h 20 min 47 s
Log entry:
3 h 25 min 14 s
